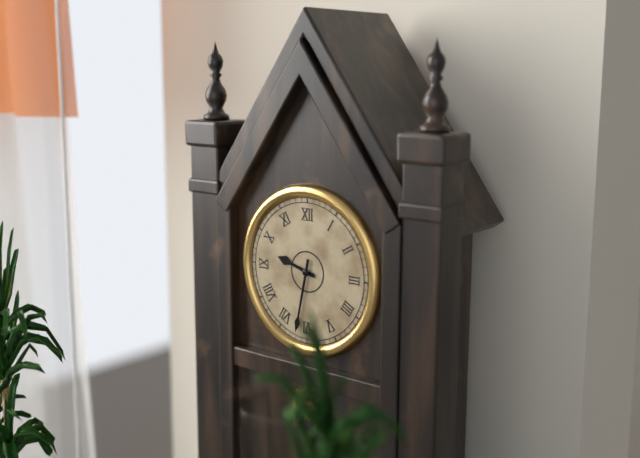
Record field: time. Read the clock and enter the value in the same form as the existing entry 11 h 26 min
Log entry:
9 h 32 min
